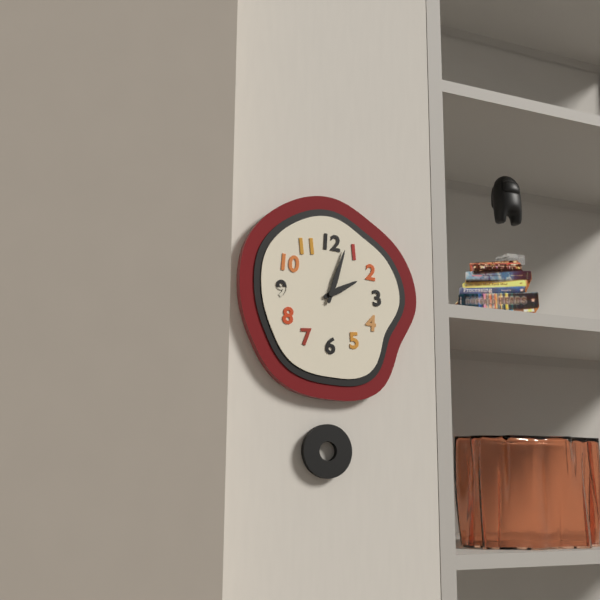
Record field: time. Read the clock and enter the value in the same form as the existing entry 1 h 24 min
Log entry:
2 h 03 min
